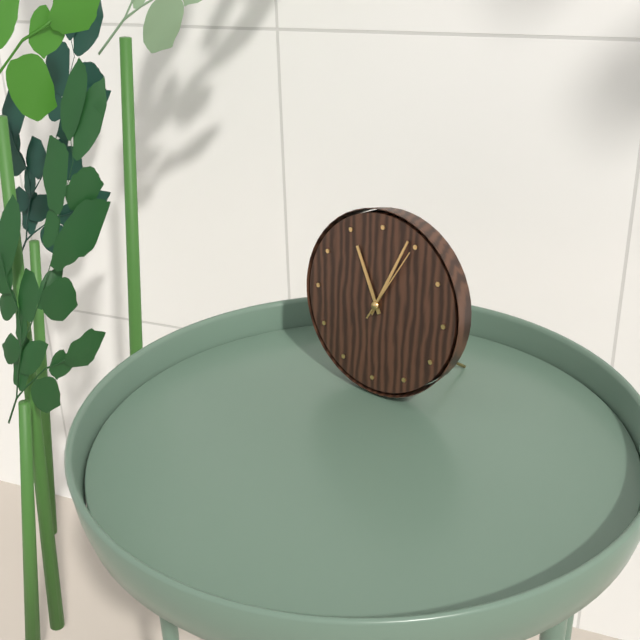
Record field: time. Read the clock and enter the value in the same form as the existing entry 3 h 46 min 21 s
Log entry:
11 h 04 min 05 s
